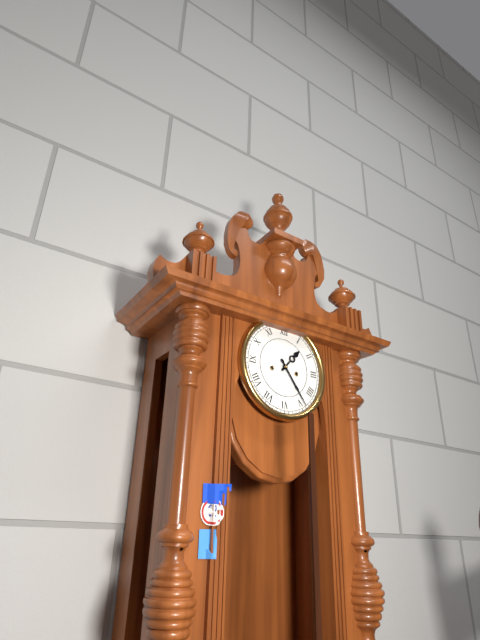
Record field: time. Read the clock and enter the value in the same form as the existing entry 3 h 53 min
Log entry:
1 h 24 min
